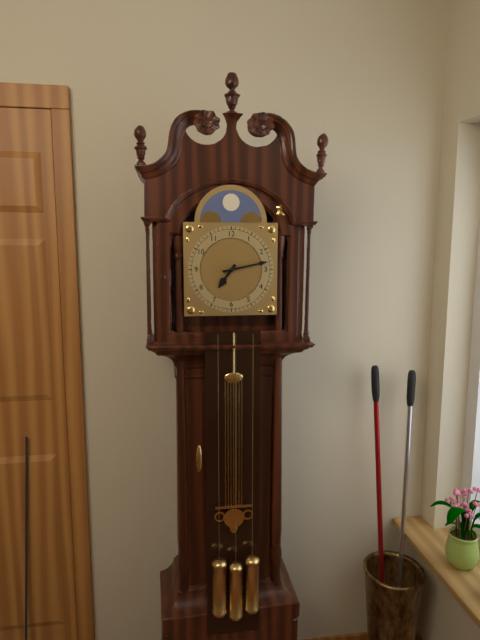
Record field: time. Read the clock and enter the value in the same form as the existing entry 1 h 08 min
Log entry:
7 h 13 min
